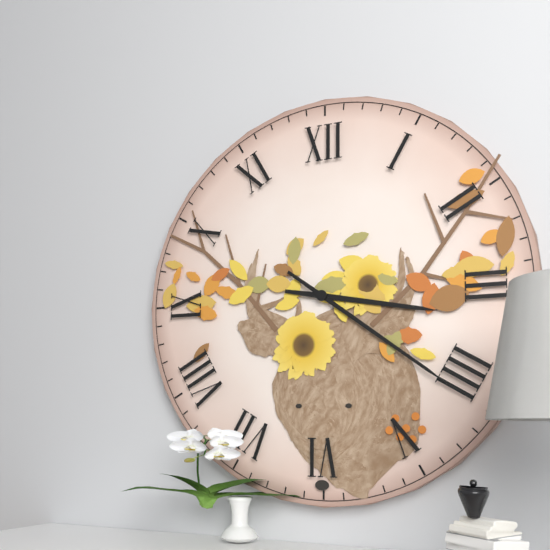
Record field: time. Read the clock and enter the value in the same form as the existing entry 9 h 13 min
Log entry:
3 h 21 min
